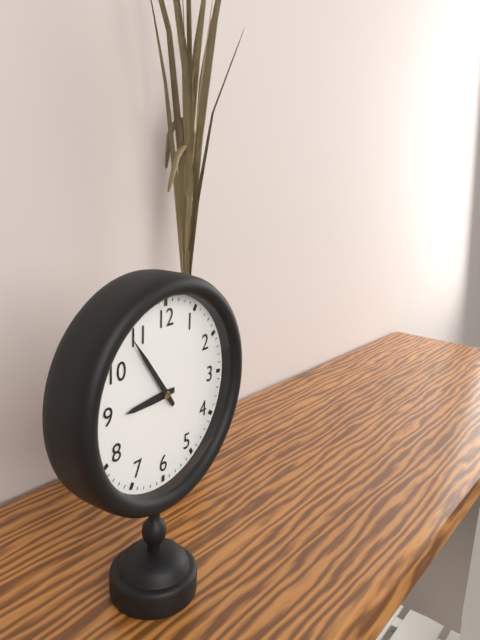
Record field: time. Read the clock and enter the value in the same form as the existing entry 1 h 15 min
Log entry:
8 h 54 min
